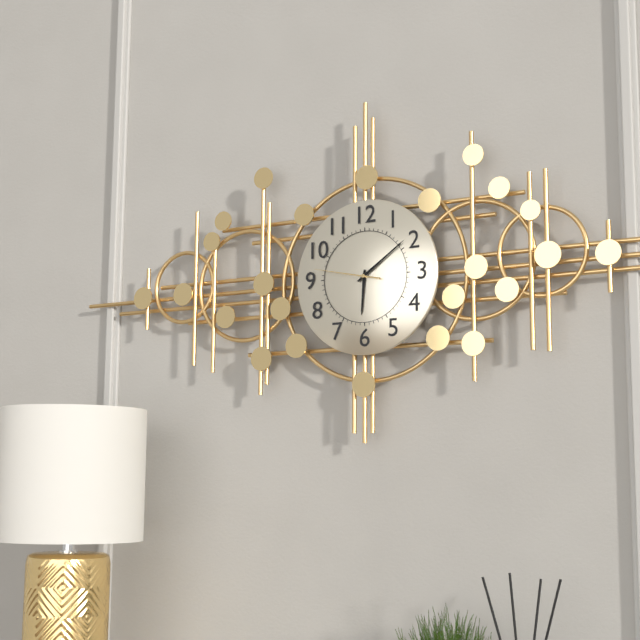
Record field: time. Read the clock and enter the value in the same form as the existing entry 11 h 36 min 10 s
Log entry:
6 h 09 min 47 s
